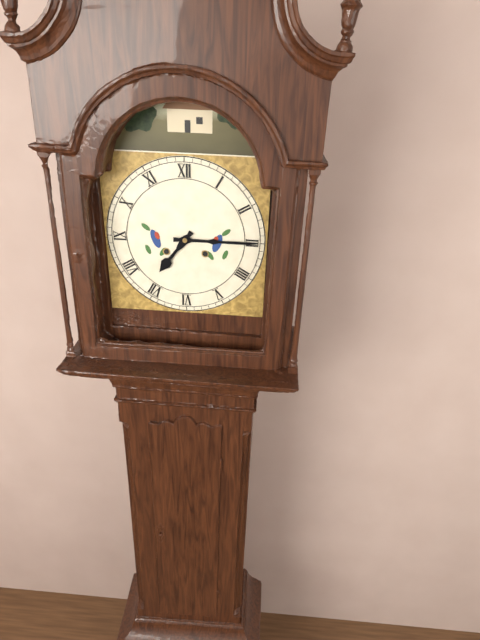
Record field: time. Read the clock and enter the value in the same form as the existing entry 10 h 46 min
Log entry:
7 h 15 min
